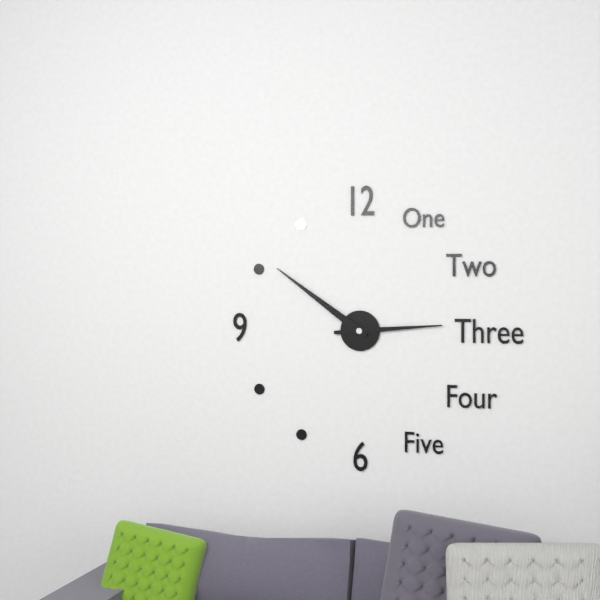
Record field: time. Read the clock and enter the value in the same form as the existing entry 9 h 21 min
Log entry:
2 h 51 min
